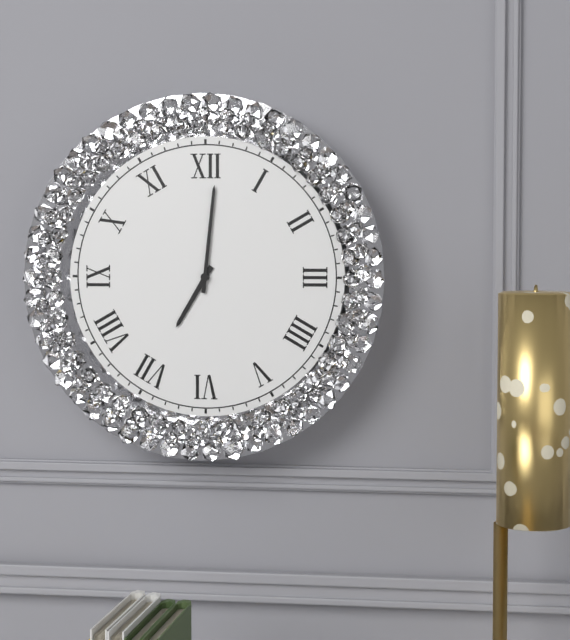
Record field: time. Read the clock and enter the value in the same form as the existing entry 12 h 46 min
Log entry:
7 h 01 min
